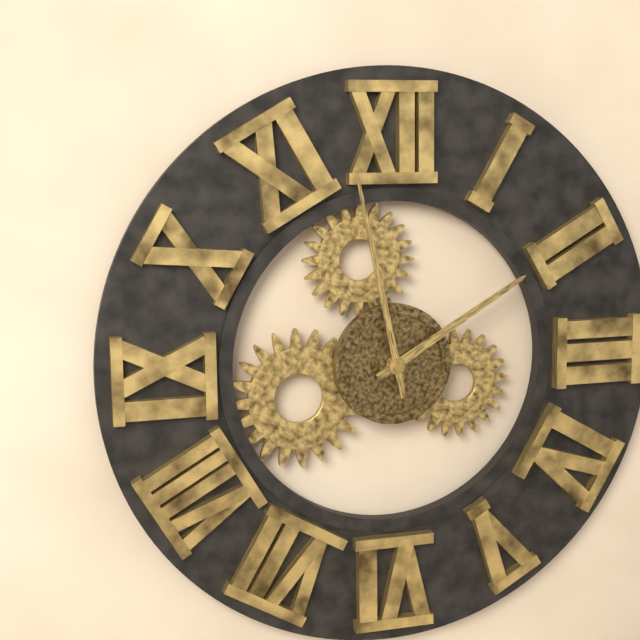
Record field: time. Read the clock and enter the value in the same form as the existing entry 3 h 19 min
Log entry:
1 h 58 min
